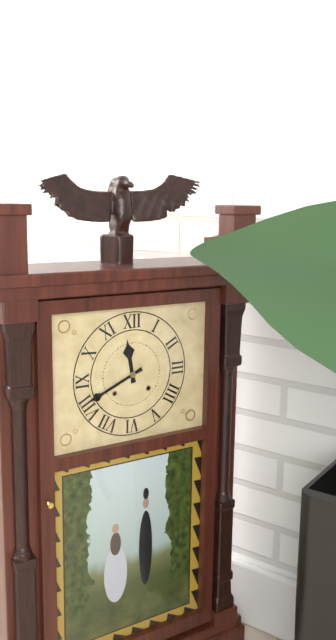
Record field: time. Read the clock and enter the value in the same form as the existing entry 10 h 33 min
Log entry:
11 h 41 min
